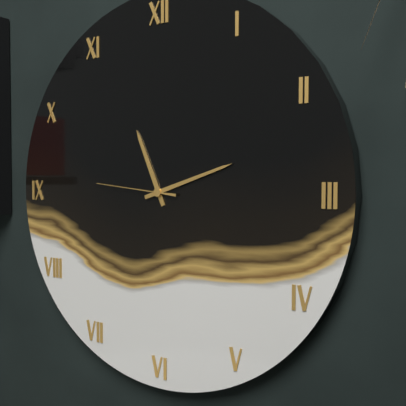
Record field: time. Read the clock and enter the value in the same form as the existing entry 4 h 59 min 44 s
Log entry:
11 h 12 min 46 s
